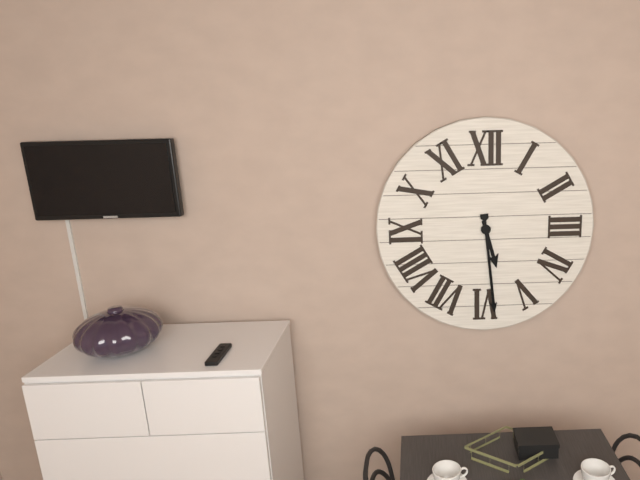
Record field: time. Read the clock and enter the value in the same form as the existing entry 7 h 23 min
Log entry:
5 h 29 min
